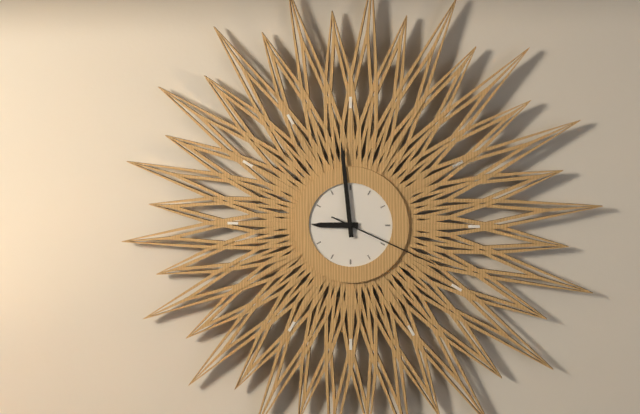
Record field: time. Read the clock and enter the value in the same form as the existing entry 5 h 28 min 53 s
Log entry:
8 h 59 min 19 s
